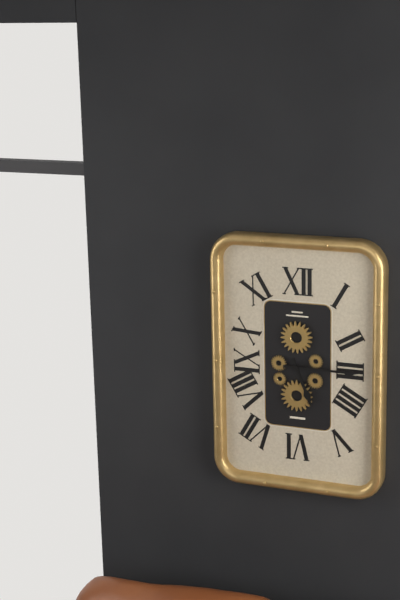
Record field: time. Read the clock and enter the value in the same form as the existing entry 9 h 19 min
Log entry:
5 h 15 min
